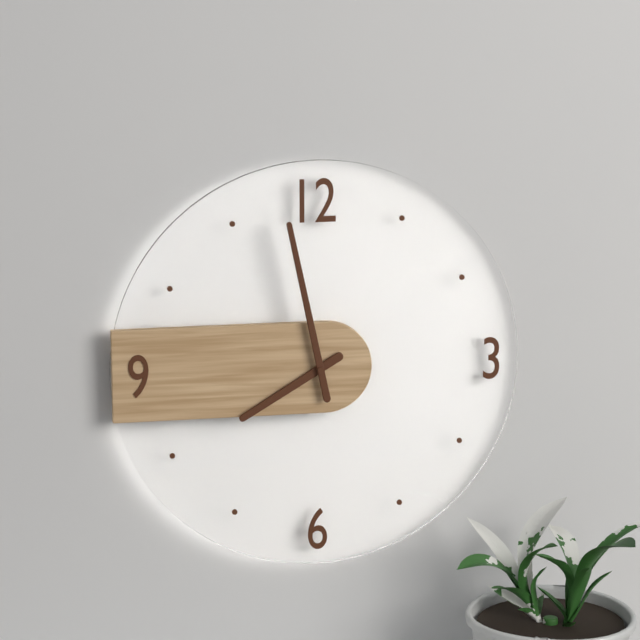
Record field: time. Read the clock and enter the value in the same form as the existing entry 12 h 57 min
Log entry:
7 h 58 min
